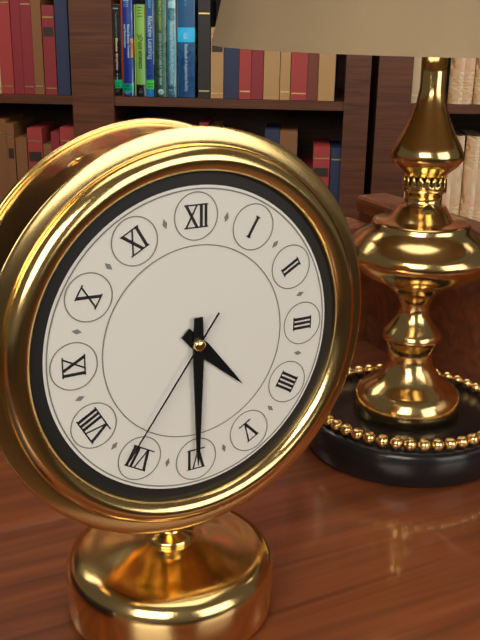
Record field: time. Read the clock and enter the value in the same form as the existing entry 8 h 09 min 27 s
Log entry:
4 h 30 min 36 s
